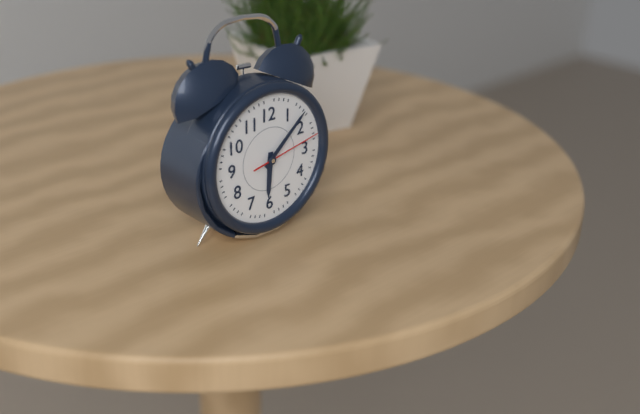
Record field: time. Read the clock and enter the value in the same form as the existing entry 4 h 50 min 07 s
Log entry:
6 h 08 min 13 s
